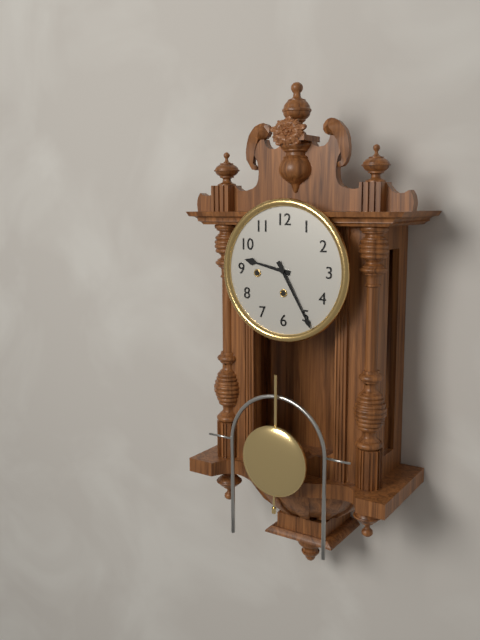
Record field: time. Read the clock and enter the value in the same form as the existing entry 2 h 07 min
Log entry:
9 h 25 min
